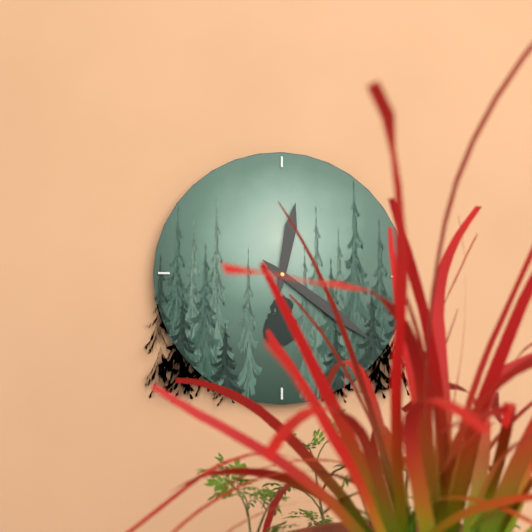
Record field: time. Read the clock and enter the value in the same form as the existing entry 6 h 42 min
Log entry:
12 h 21 min
